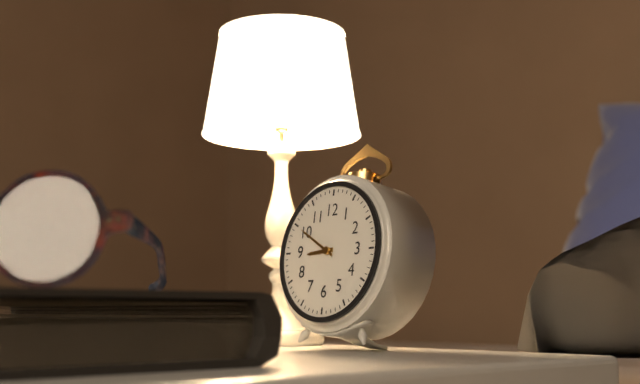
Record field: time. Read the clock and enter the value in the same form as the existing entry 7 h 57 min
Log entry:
8 h 50 min
